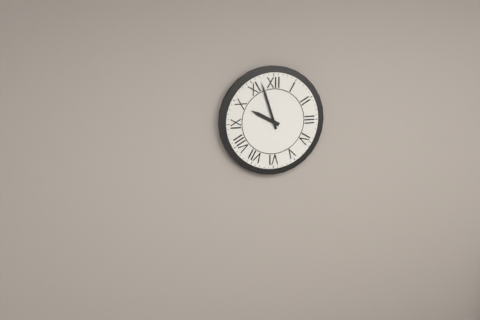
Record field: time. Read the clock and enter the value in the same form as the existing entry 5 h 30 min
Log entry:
9 h 57 min
